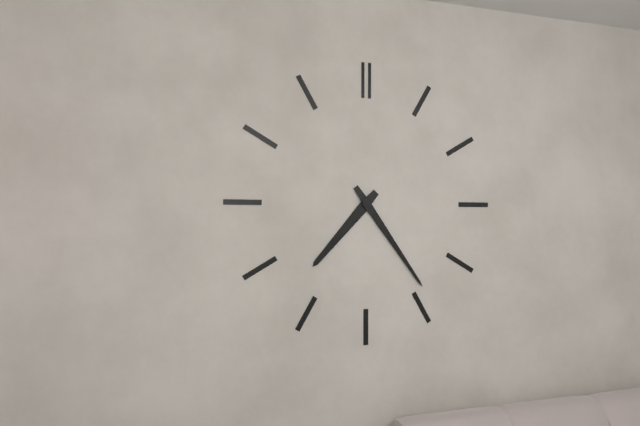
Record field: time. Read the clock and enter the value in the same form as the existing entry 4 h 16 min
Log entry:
7 h 24 min
